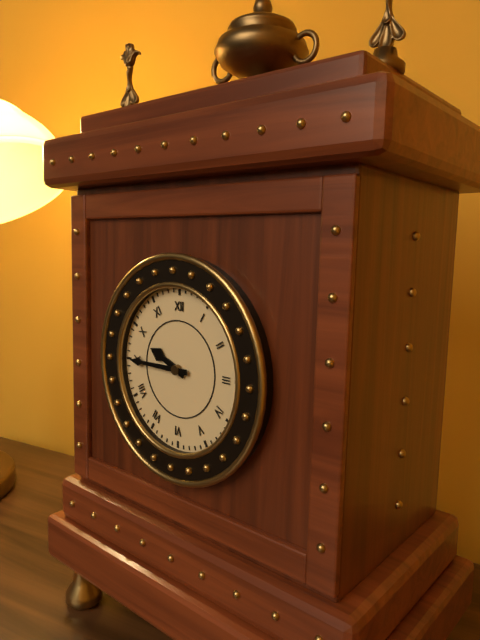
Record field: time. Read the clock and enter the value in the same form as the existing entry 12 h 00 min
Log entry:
9 h 45 min
